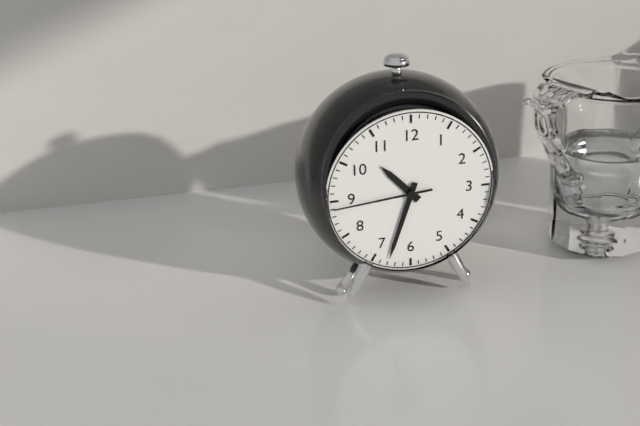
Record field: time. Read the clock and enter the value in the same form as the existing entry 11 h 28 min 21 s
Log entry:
10 h 33 min 44 s
